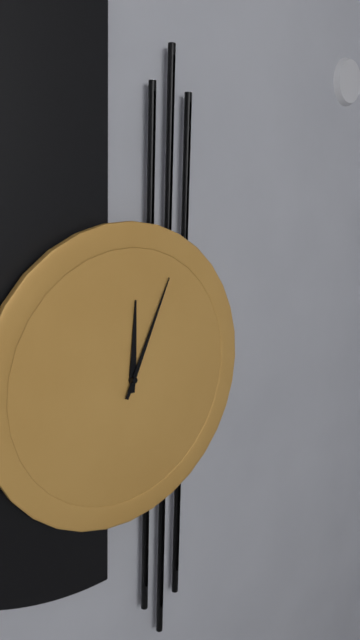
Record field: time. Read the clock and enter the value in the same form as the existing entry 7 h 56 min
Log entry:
12 h 04 min
